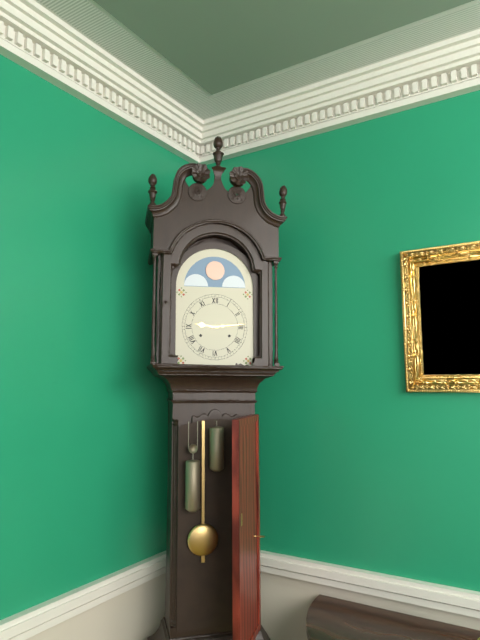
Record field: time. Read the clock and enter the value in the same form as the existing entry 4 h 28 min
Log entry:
9 h 14 min
